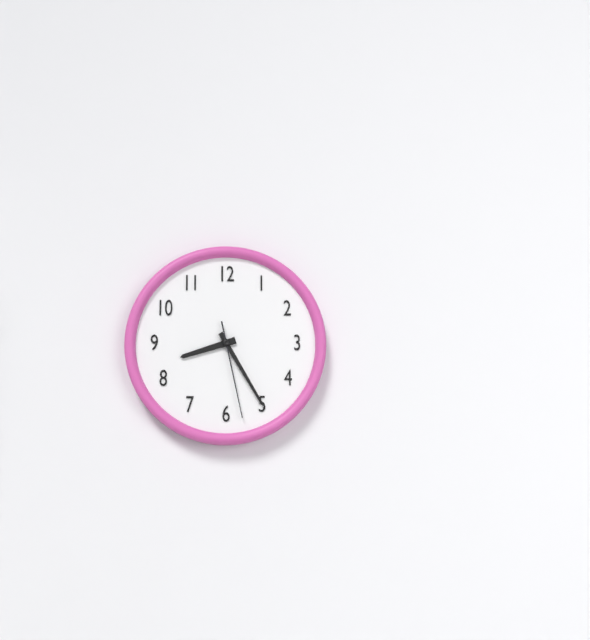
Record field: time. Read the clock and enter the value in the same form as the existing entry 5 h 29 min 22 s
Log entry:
8 h 25 min 28 s
